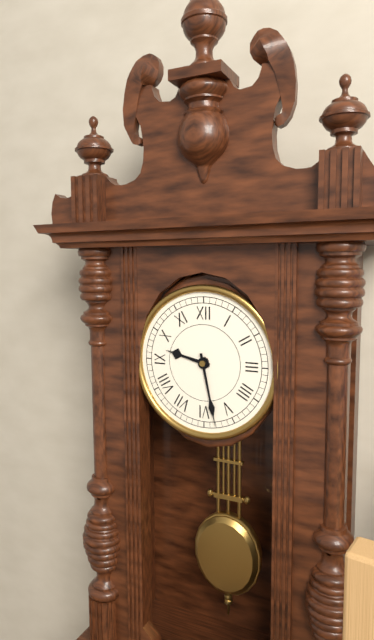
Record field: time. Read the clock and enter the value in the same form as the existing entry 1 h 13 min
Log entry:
9 h 28 min
